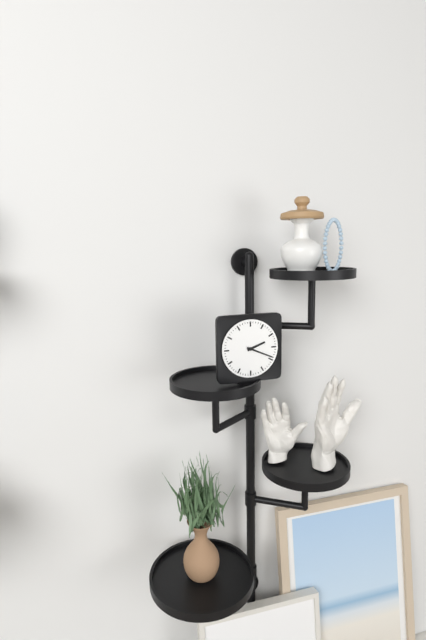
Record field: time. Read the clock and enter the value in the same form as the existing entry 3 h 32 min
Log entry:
2 h 19 min
